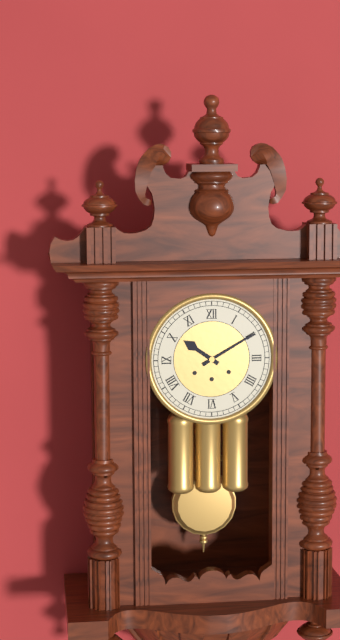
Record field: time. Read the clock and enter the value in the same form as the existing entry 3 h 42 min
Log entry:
10 h 10 min
